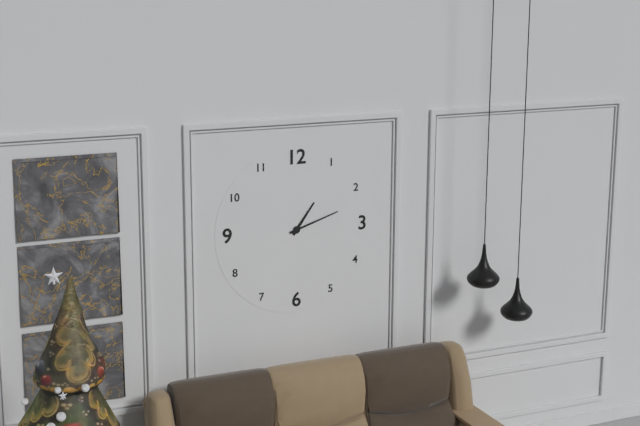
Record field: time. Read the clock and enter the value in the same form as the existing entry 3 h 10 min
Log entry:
1 h 12 min
